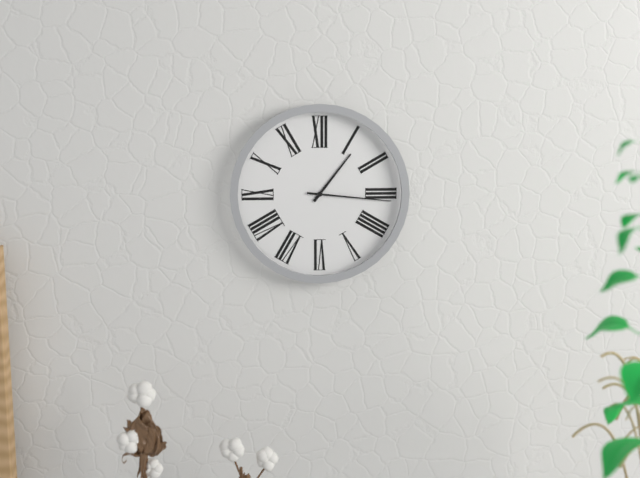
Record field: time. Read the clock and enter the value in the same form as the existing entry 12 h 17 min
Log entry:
1 h 16 min
